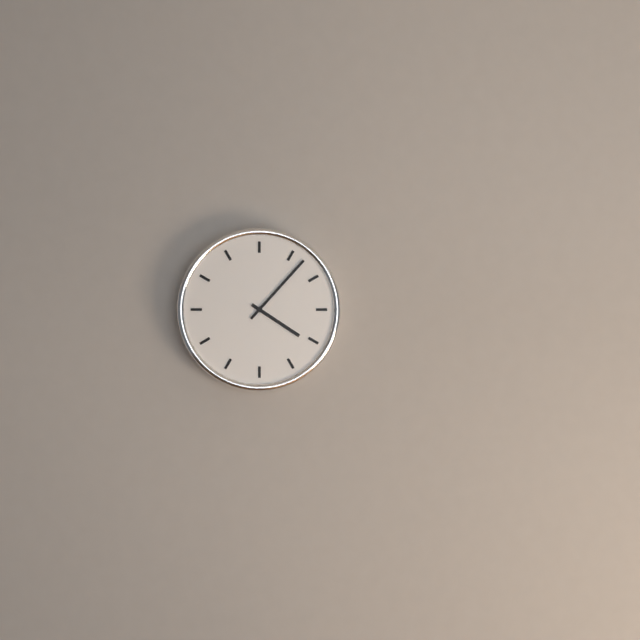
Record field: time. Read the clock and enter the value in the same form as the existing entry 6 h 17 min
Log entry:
4 h 07 min
